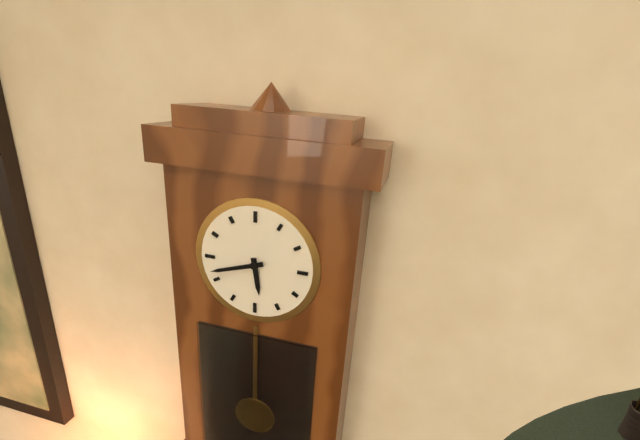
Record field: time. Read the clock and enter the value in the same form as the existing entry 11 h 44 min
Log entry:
5 h 42 min
